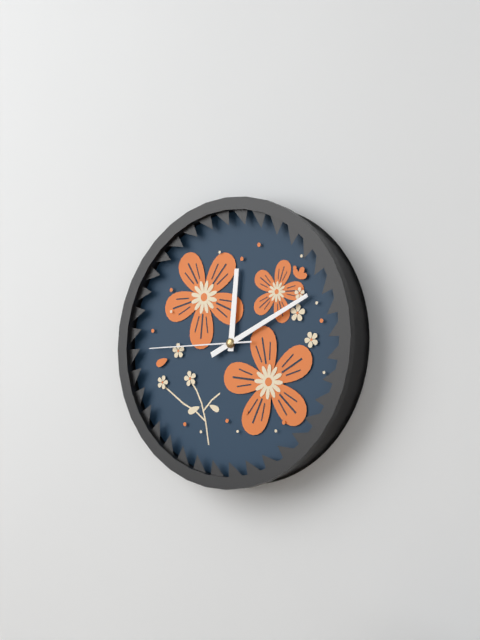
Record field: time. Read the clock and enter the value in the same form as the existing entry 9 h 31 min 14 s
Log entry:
12 h 11 min 45 s
